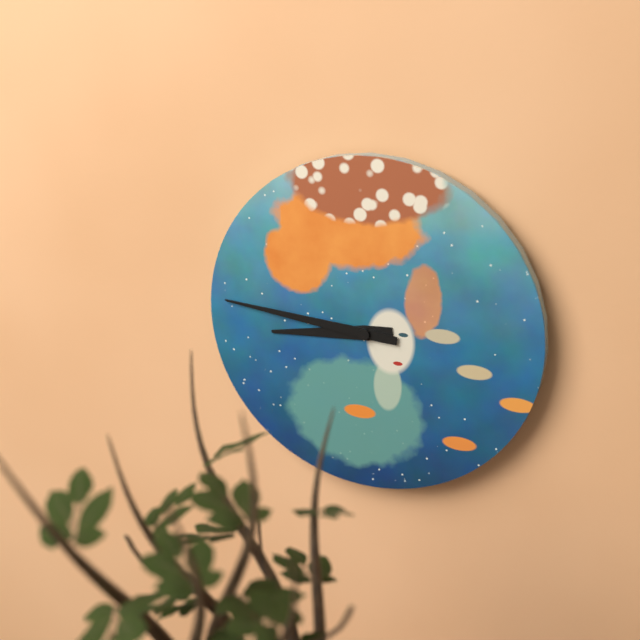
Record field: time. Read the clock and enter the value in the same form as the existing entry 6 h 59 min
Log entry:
8 h 46 min
